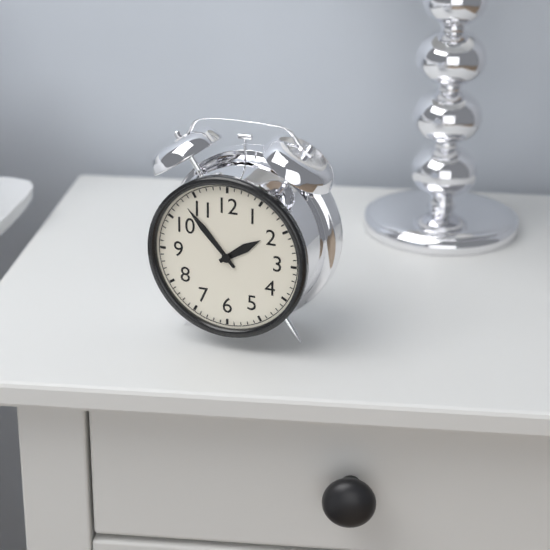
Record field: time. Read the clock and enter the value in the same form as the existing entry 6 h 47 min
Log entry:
1 h 53 min
